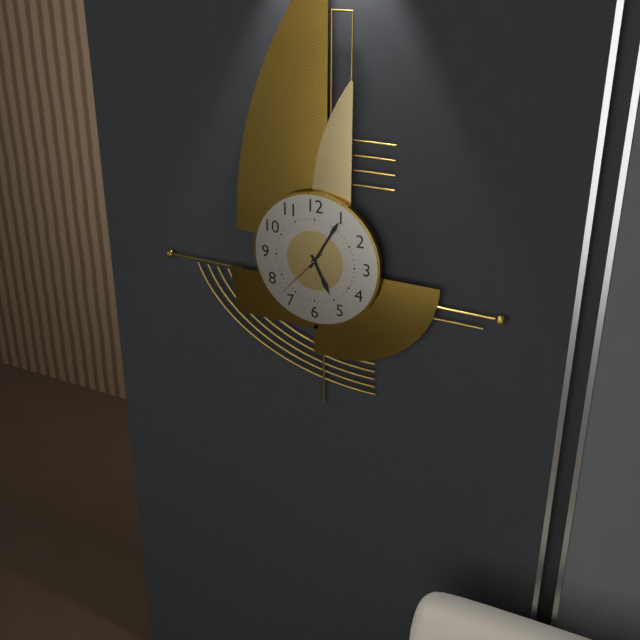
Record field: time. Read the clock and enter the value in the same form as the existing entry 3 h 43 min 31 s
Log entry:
5 h 05 min 37 s
